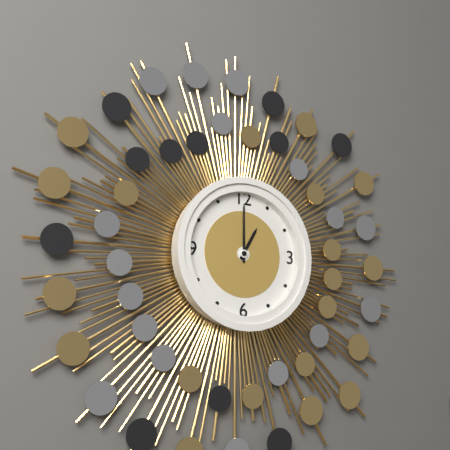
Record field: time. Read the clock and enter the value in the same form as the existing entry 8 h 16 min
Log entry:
1 h 00 min
